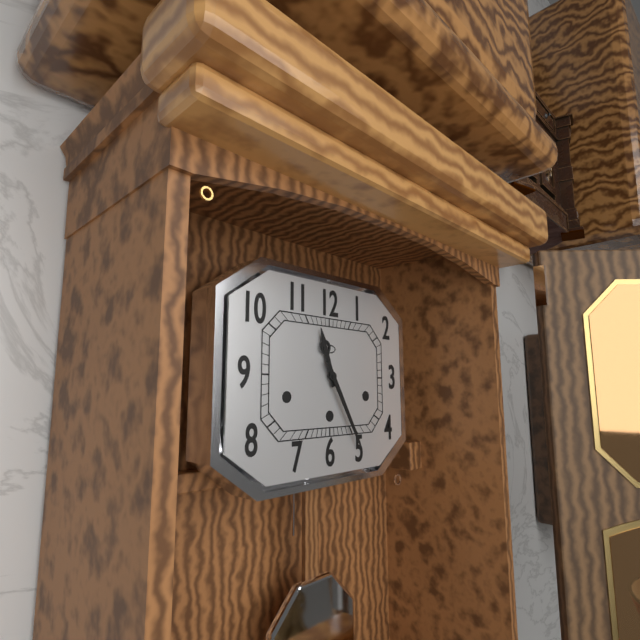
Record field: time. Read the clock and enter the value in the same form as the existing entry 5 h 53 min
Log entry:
11 h 25 min
